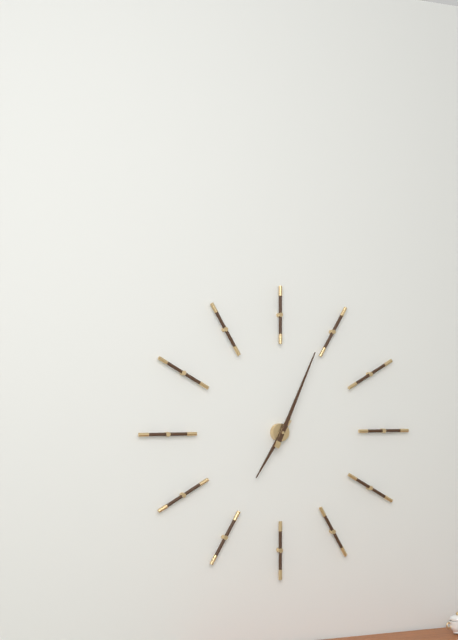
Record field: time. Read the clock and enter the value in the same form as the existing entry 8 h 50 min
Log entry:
7 h 04 min
